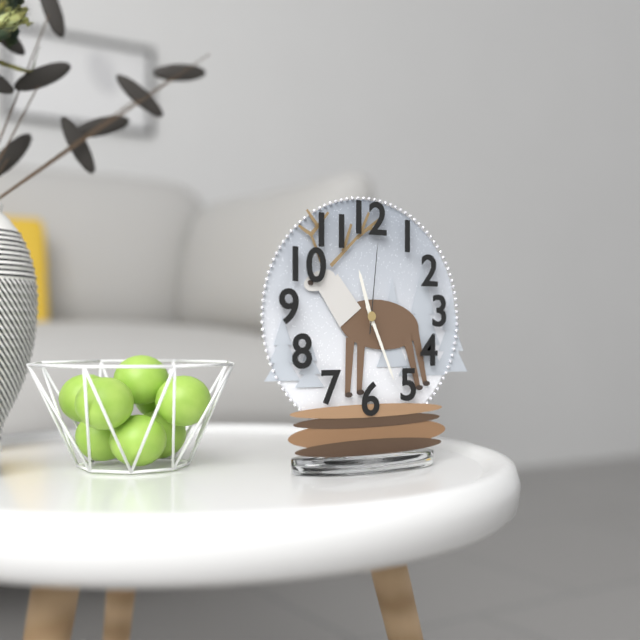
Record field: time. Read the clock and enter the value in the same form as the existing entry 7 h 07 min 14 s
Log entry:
11 h 26 min 01 s
